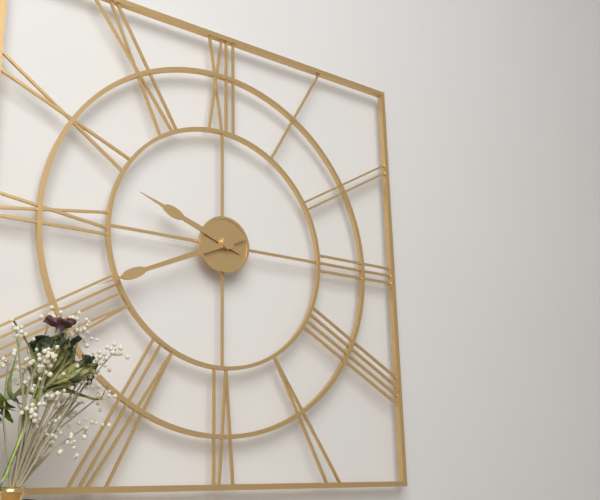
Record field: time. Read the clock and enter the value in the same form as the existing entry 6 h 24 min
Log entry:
9 h 41 min
